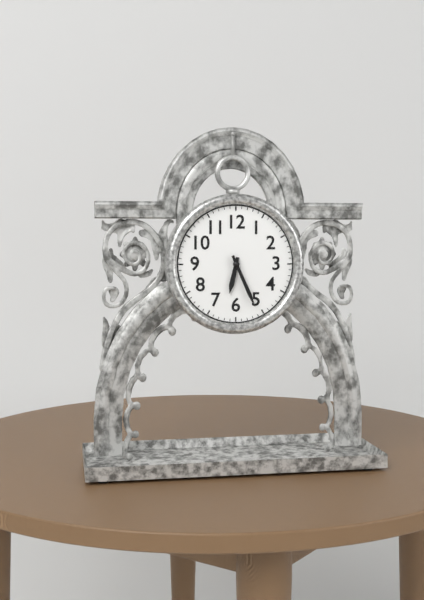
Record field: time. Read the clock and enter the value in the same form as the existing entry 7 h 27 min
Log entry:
6 h 26 min
